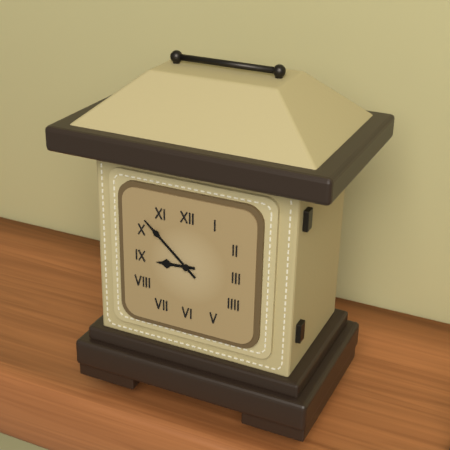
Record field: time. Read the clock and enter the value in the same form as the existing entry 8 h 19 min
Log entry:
8 h 52 min
